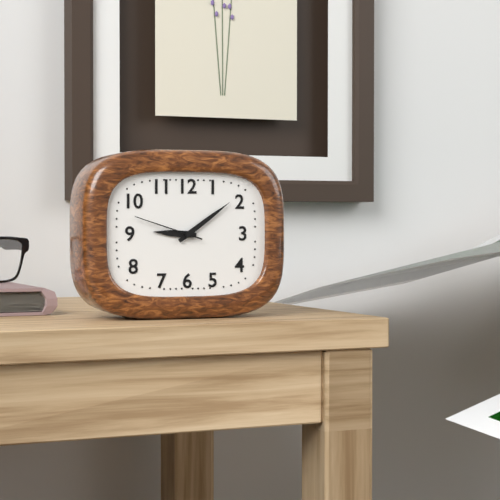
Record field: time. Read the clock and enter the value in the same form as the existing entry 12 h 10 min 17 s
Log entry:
9 h 09 min 48 s
